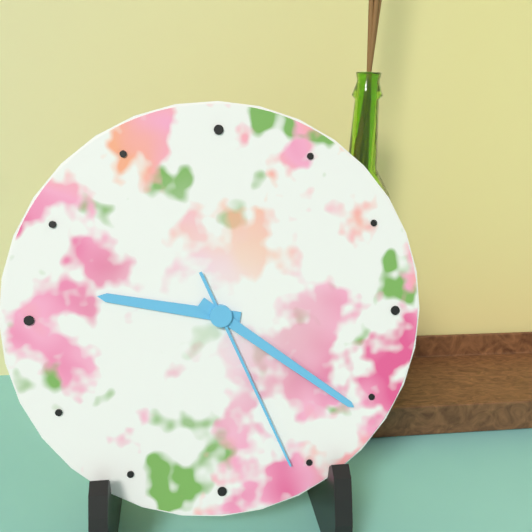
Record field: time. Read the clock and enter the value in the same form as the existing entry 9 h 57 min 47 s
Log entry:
9 h 21 min 26 s
